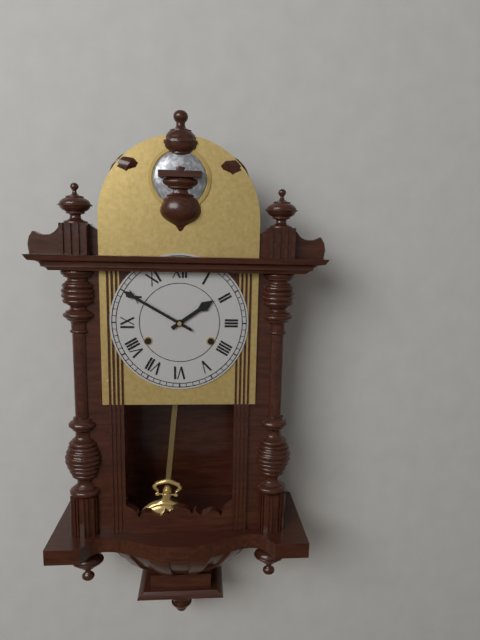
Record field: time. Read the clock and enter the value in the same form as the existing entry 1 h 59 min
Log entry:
1 h 50 min
